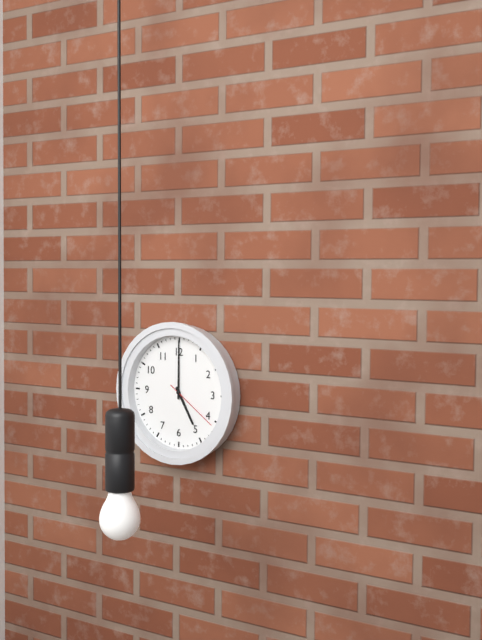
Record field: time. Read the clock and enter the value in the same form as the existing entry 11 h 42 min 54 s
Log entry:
5 h 00 min 21 s
